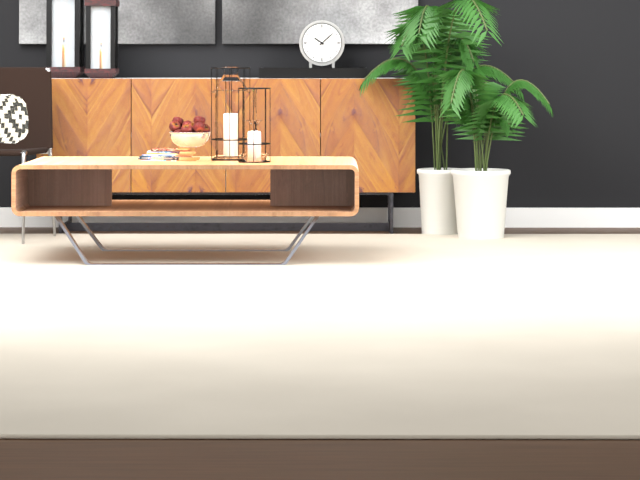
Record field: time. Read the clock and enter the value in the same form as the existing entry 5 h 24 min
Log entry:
10 h 08 min
